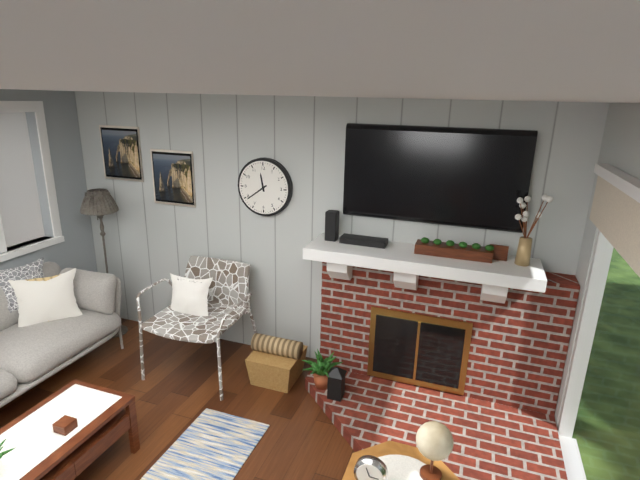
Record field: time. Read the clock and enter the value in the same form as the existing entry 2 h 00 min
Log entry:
11 h 39 min
